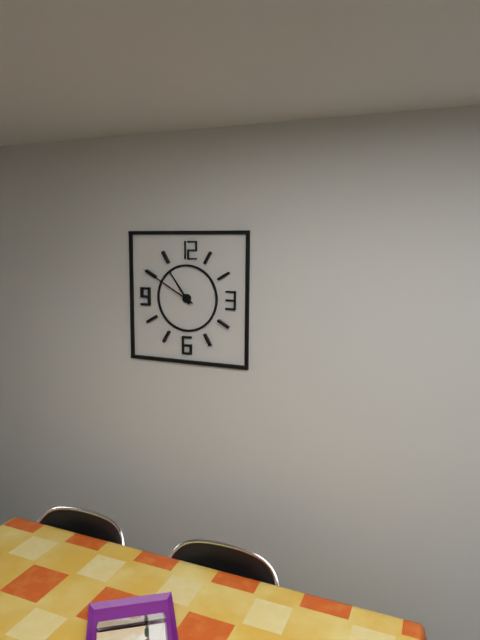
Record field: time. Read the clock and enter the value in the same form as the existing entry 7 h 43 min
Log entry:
10 h 50 min
